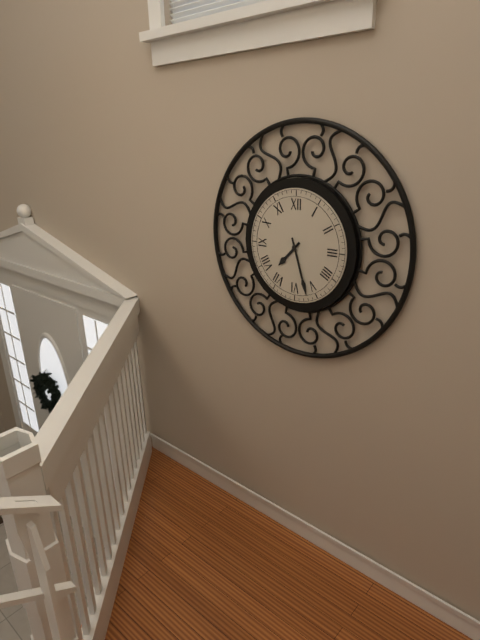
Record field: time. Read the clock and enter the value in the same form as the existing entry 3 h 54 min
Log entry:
7 h 27 min
